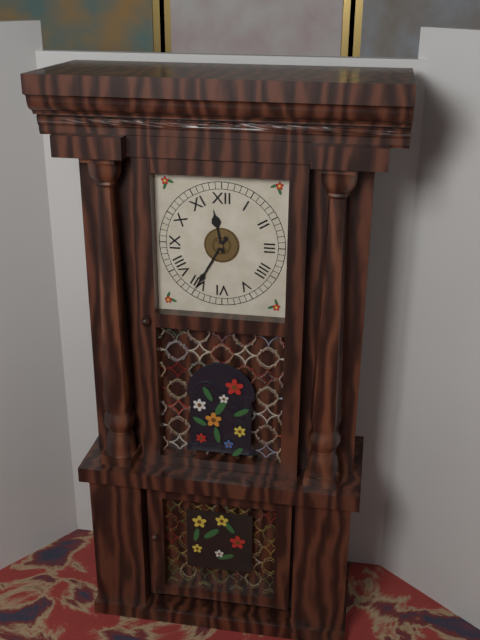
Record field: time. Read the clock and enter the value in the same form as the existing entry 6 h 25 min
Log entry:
11 h 35 min
